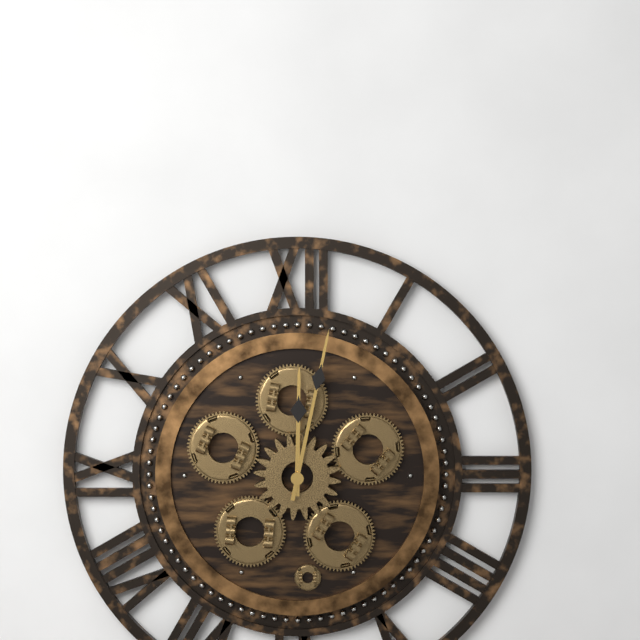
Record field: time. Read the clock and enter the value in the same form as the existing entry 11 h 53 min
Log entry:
12 h 02 min
